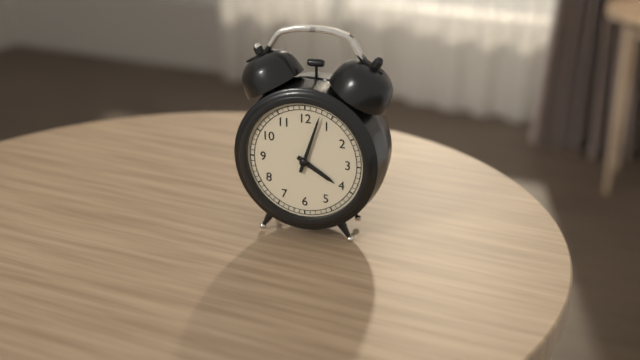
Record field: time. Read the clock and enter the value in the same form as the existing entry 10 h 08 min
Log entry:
4 h 03 min
